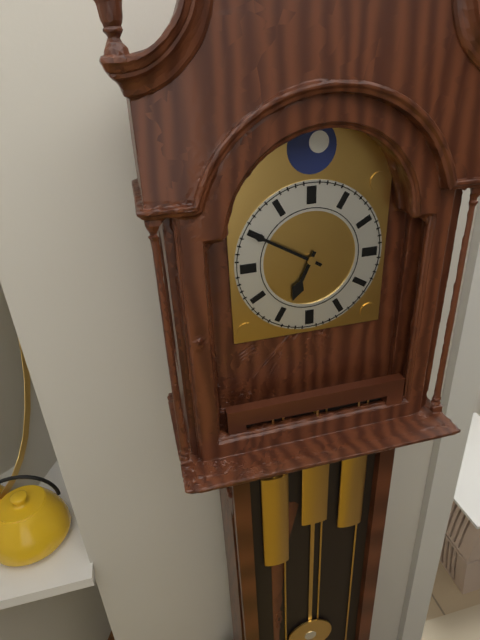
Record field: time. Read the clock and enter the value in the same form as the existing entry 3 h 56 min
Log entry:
6 h 50 min
